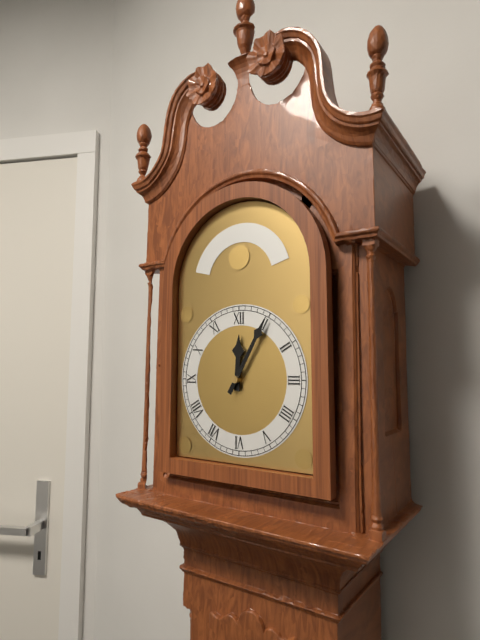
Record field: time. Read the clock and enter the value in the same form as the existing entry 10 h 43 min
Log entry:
12 h 05 min
